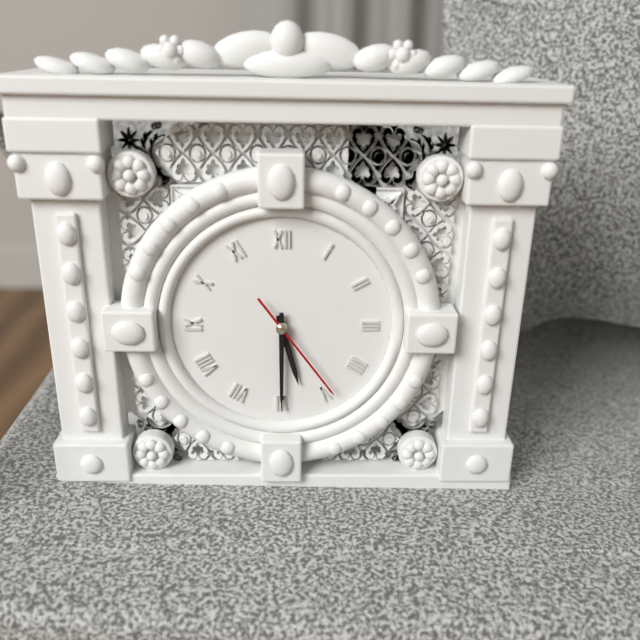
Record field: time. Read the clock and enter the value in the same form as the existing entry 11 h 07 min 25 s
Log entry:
5 h 30 min 24 s
